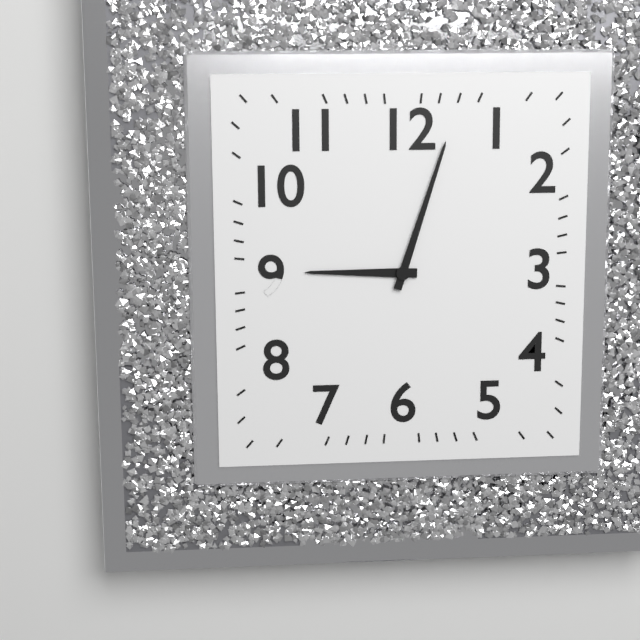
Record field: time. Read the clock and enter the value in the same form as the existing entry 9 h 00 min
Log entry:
9 h 03 min
